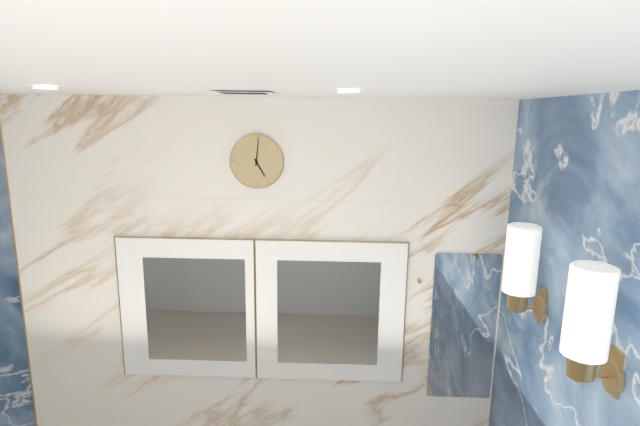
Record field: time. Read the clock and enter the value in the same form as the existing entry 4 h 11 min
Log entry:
5 h 01 min
